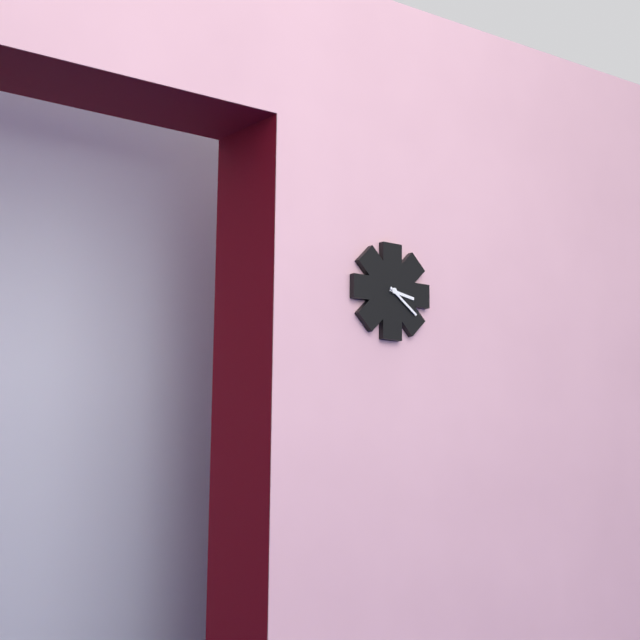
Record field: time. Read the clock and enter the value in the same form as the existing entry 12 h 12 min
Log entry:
3 h 21 min
